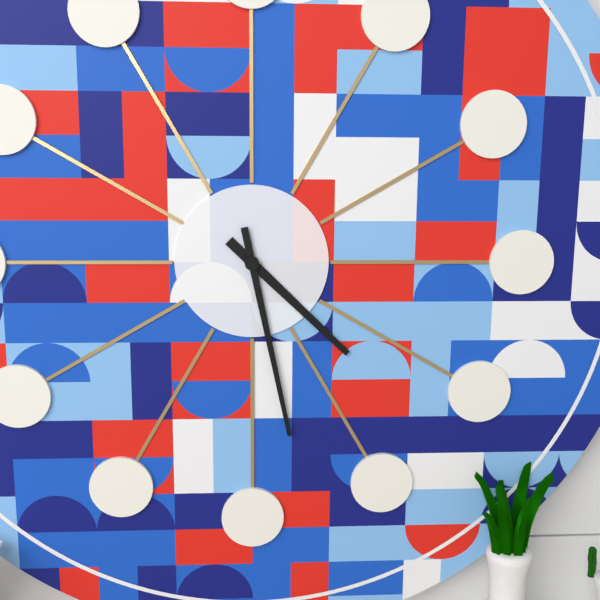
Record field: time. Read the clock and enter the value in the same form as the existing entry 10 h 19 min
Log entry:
4 h 28 min
